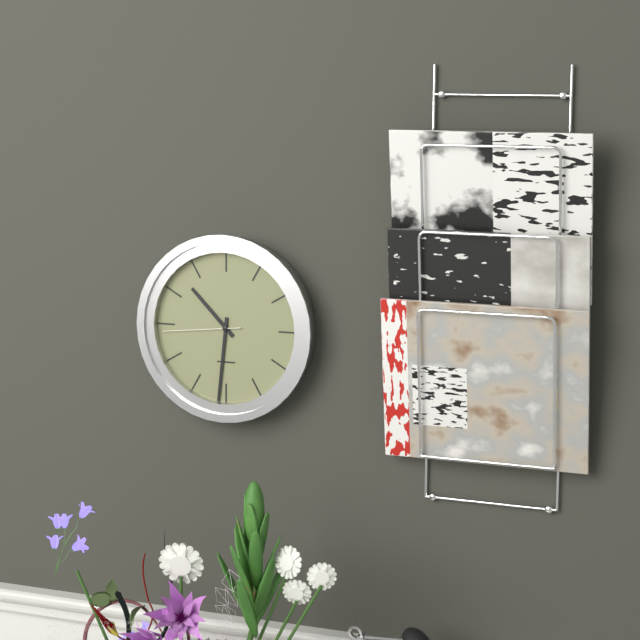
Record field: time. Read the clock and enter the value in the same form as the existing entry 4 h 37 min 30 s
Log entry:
10 h 31 min 44 s
